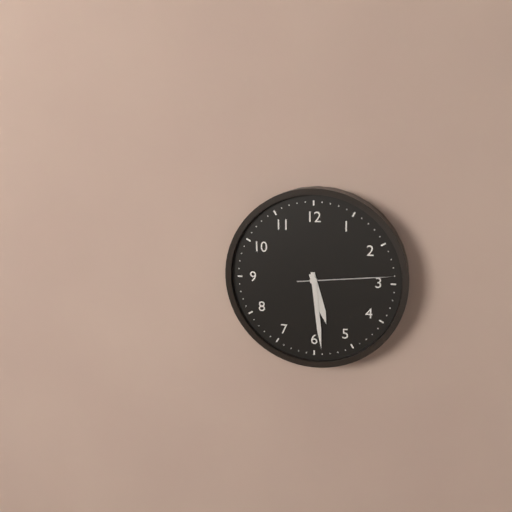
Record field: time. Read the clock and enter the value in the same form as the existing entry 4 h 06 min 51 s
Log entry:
5 h 29 min 14 s
